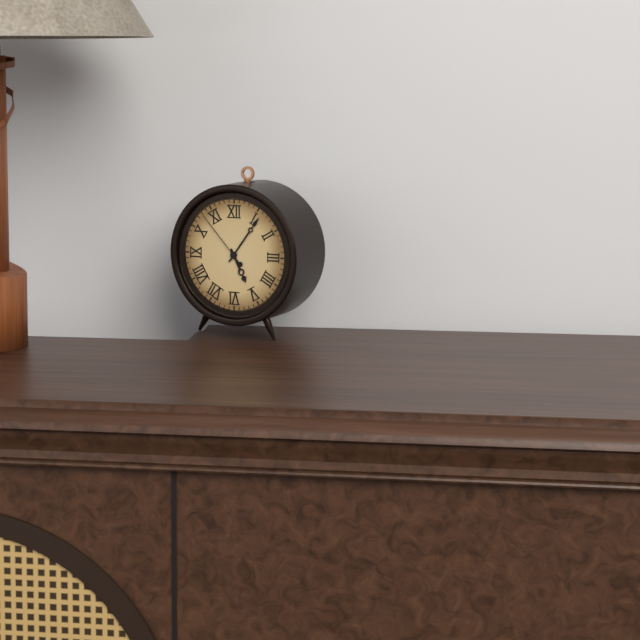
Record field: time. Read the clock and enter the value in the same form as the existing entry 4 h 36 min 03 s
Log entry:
5 h 06 min 53 s
